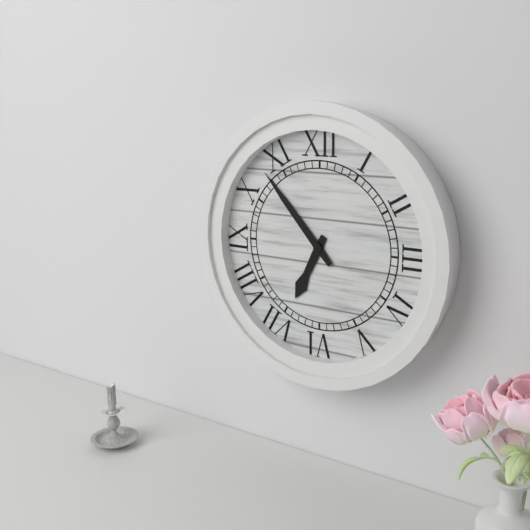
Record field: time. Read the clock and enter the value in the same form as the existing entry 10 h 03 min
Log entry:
6 h 53 min
